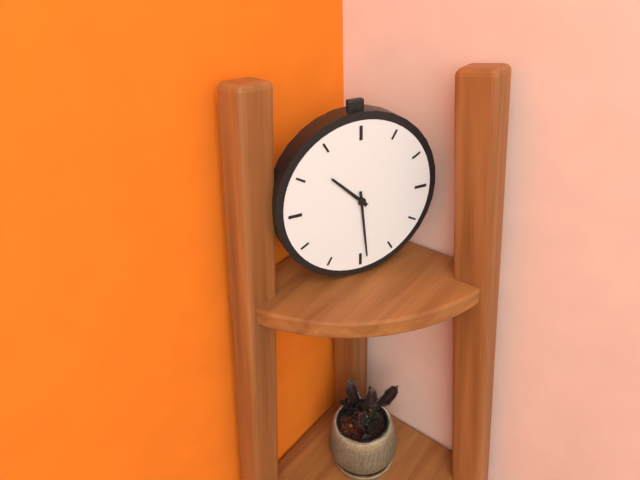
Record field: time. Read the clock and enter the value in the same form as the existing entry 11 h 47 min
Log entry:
10 h 29 min
